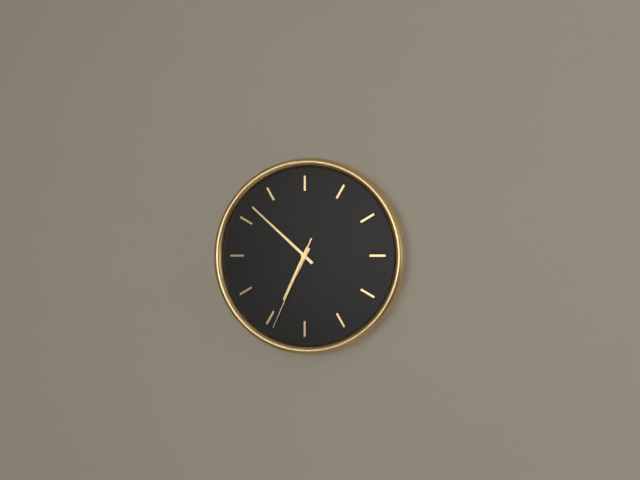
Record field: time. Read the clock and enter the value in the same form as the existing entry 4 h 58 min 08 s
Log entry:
6 h 52 min 34 s
